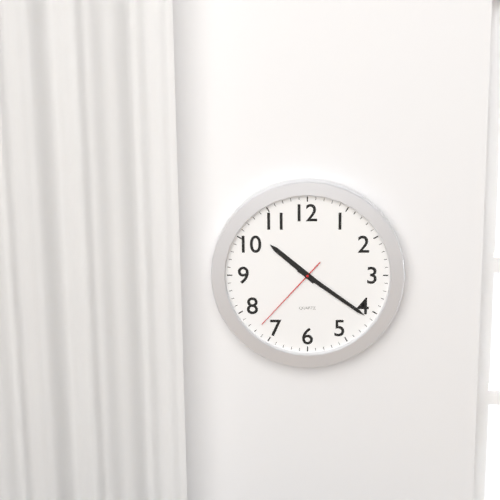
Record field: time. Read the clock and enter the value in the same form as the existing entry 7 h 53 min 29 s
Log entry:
10 h 21 min 37 s
